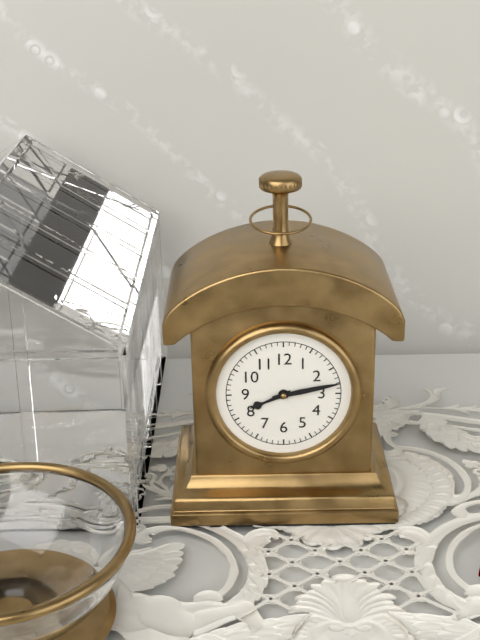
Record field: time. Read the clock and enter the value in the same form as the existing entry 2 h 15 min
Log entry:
8 h 13 min
